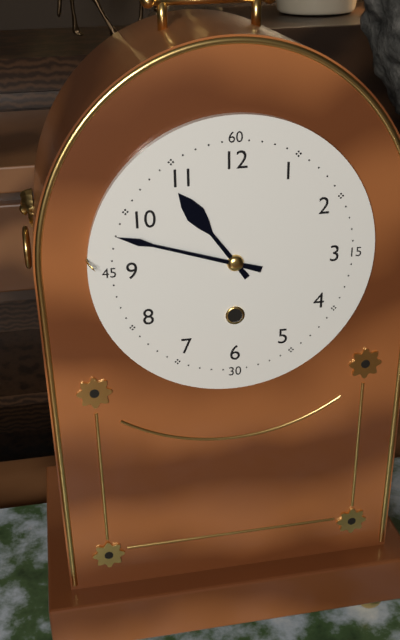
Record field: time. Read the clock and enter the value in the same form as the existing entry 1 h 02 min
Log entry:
10 h 48 min
